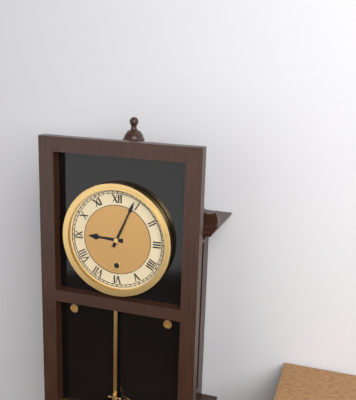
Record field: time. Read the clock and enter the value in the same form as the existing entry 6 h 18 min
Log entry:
9 h 04 min
